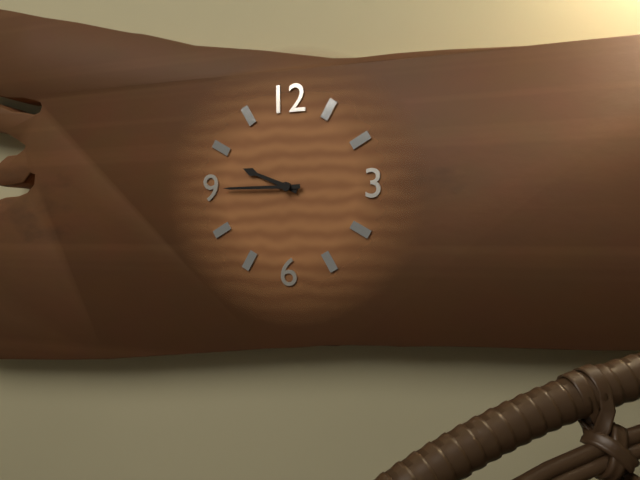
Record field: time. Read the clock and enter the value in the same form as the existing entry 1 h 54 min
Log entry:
9 h 45 min
